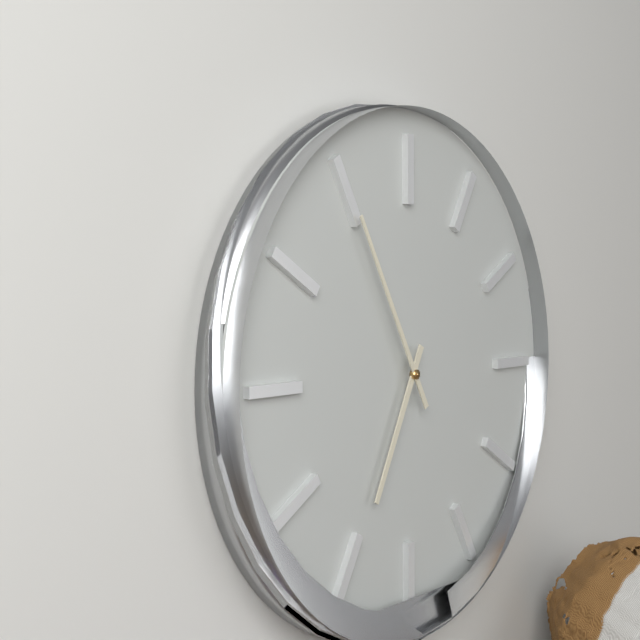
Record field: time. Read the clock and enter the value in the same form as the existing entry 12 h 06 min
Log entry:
6 h 55 min
